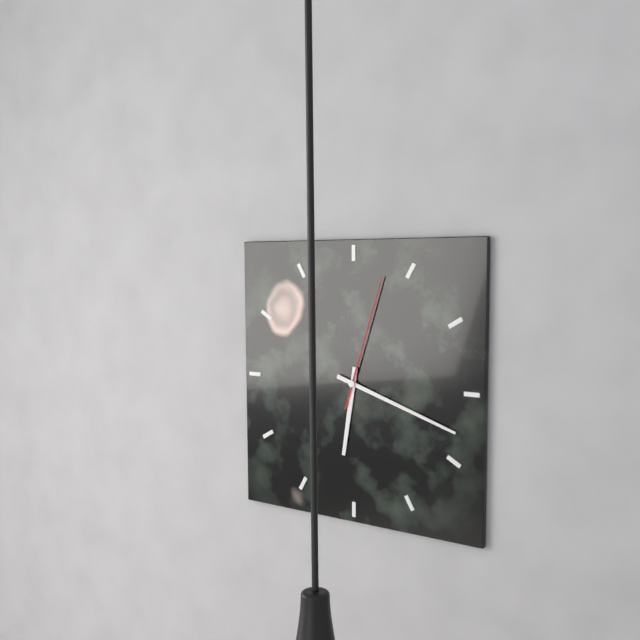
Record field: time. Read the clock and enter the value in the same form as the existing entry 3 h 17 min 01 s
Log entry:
6 h 18 min 03 s
